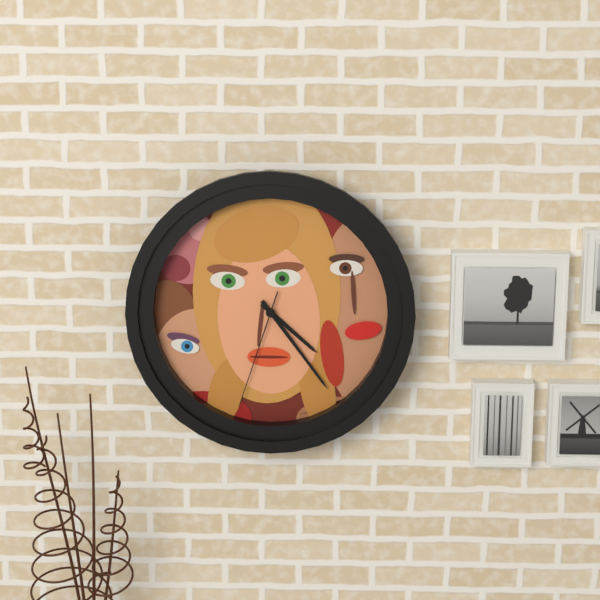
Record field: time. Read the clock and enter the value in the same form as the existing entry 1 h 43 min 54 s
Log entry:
4 h 24 min 33 s
